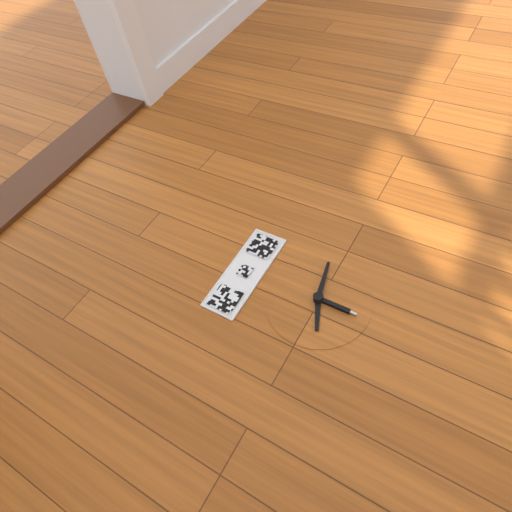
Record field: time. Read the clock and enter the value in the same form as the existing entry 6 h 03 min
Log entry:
8 h 13 min
